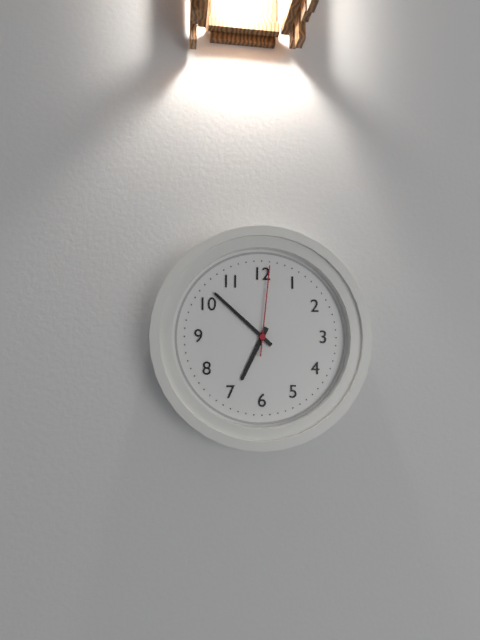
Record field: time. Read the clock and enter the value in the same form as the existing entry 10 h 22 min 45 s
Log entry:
6 h 52 min 01 s
